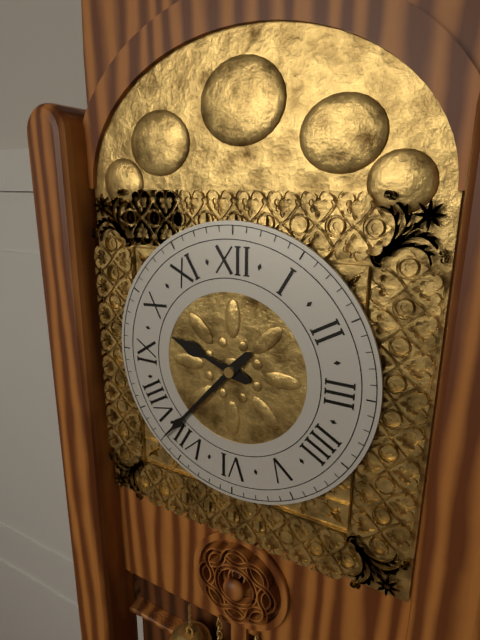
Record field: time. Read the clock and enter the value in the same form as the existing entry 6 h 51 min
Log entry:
9 h 37 min
